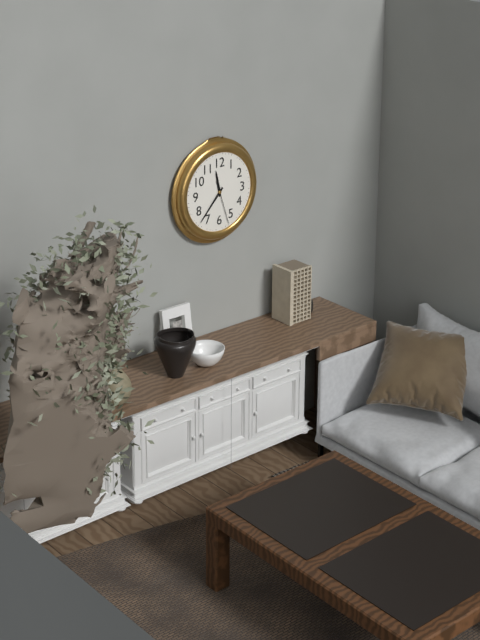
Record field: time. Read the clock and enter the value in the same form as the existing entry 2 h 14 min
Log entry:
11 h 37 min
